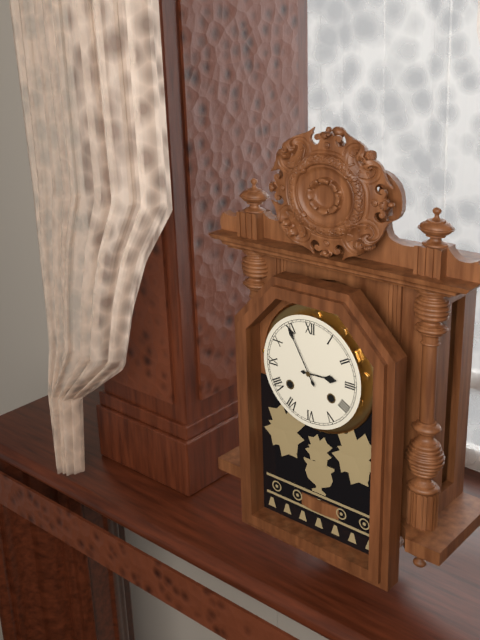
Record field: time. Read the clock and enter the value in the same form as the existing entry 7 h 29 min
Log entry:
2 h 55 min
